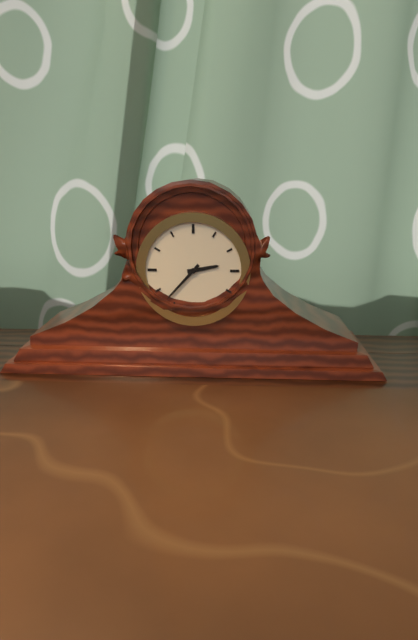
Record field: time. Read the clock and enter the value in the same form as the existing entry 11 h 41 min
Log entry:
2 h 37 min
